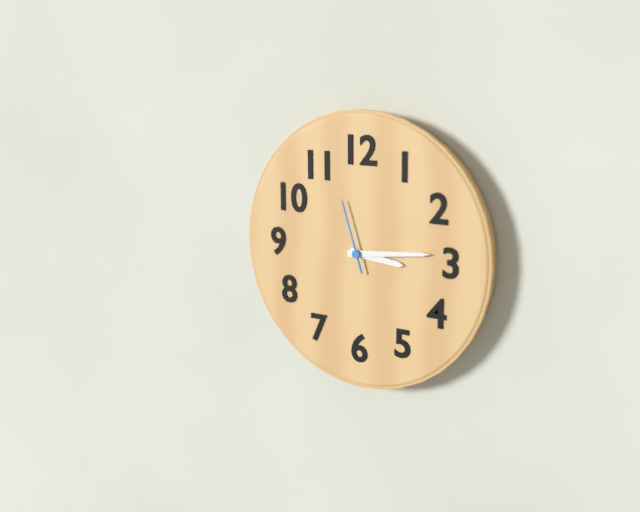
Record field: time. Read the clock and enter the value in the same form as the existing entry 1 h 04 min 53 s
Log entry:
3 h 14 min 57 s
